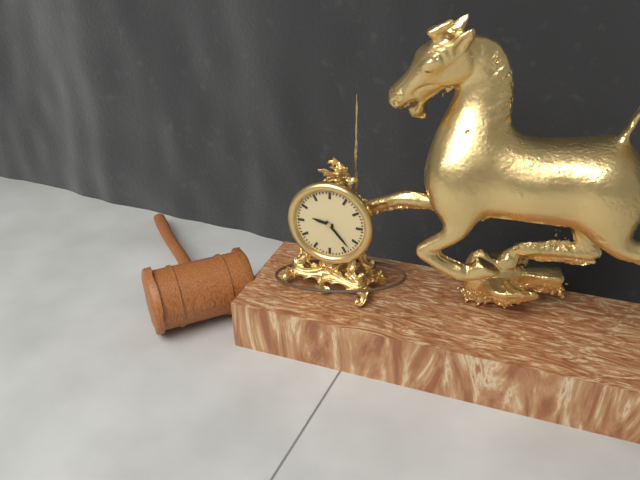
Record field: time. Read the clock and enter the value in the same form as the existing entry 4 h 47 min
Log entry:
9 h 23 min
